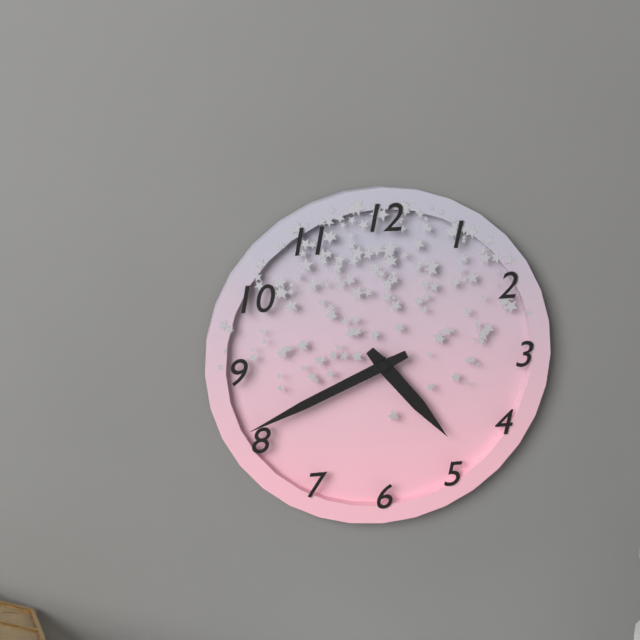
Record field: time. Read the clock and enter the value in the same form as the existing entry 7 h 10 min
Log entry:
4 h 41 min
